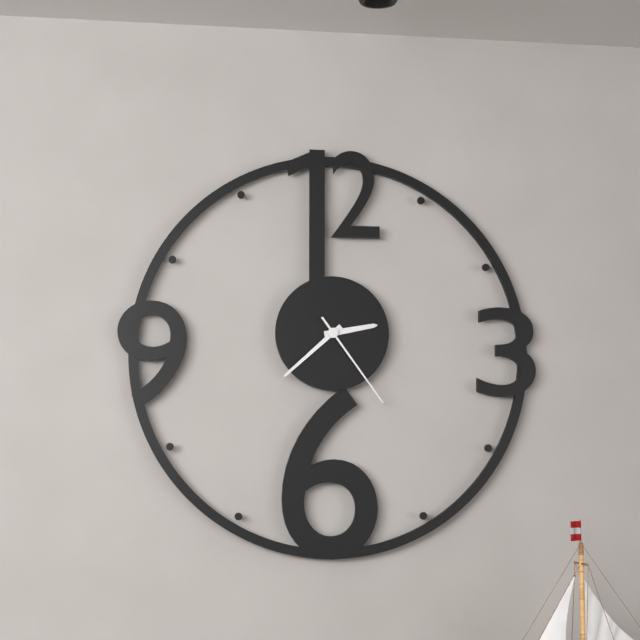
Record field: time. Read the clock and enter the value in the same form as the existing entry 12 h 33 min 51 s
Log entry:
2 h 38 min 24 s
